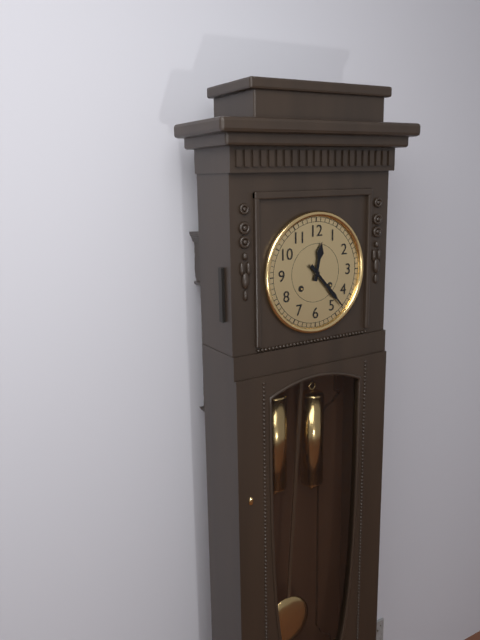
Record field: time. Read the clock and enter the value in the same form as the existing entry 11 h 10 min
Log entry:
12 h 23 min
